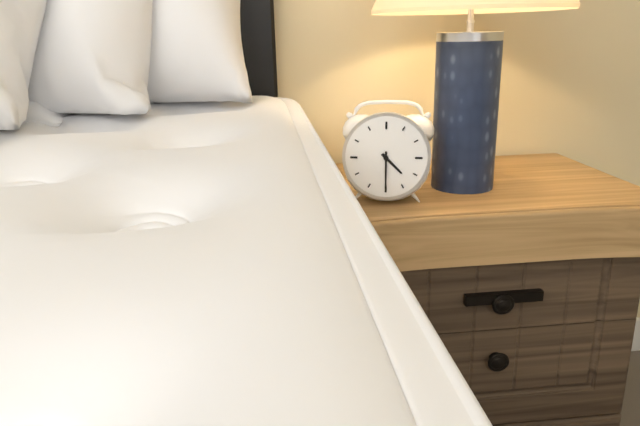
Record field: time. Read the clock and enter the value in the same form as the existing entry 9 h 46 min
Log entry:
4 h 30 min
